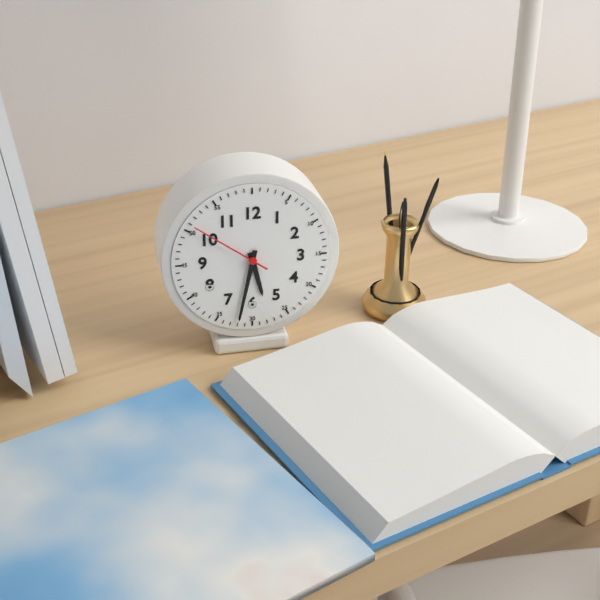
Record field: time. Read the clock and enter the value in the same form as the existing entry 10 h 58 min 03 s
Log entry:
5 h 32 min 51 s
